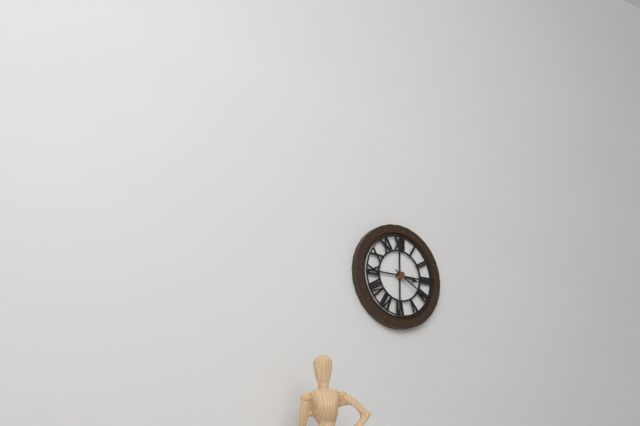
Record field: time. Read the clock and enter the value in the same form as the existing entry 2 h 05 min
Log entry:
3 h 20 min
